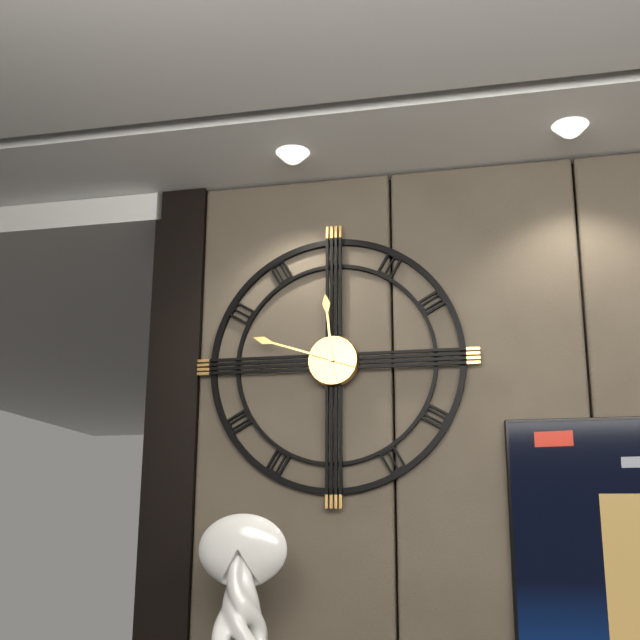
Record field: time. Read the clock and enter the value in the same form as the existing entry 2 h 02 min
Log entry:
11 h 48 min
